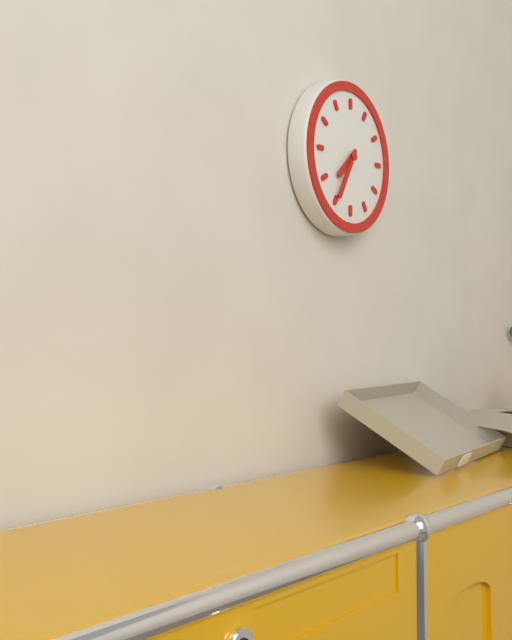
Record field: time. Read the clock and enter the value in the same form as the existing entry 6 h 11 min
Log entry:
7 h 35 min
